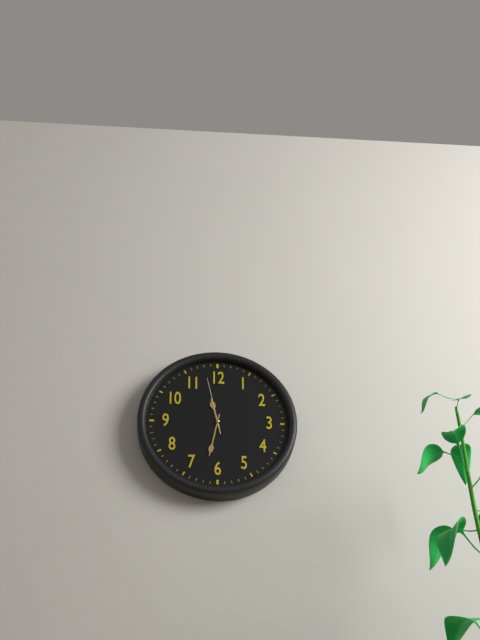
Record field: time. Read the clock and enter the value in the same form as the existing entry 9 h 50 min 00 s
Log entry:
11 h 32 min 58 s
